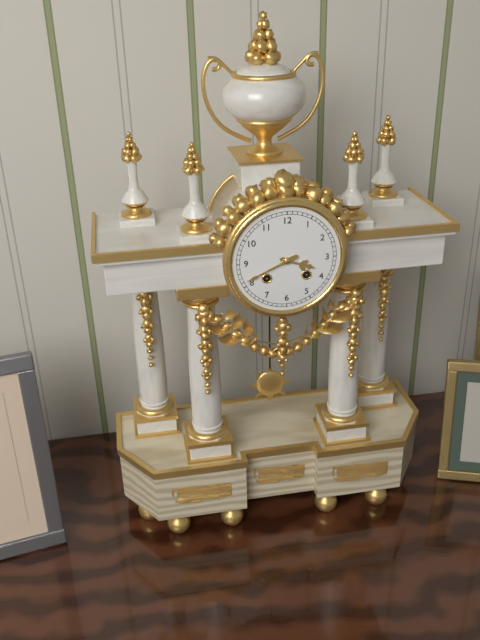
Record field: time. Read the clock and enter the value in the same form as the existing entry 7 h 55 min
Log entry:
3 h 41 min
